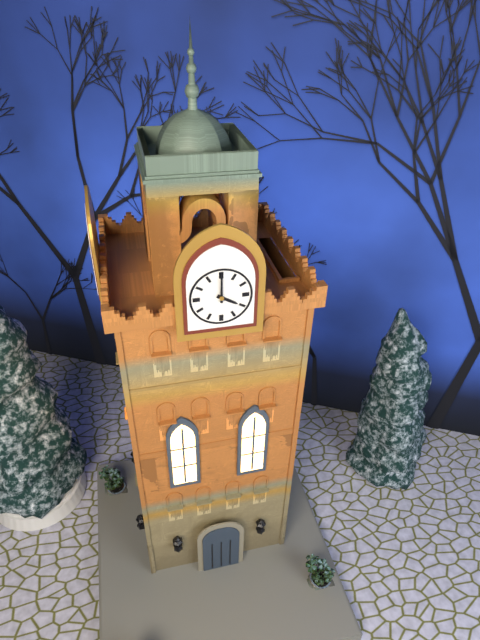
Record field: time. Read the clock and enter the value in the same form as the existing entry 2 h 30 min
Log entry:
4 h 00 min
